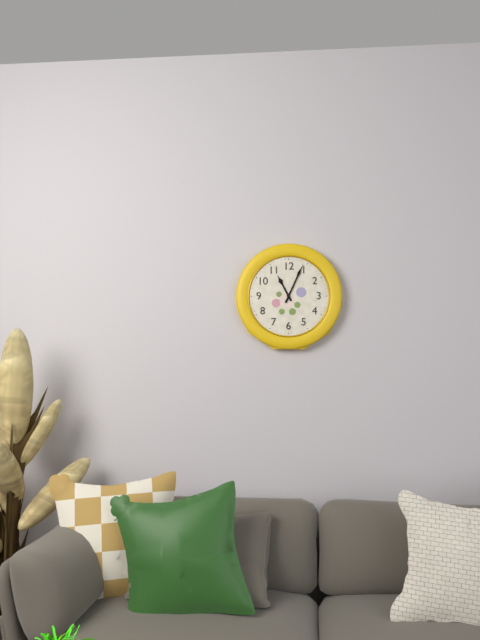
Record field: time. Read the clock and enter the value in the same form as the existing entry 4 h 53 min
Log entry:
11 h 04 min
